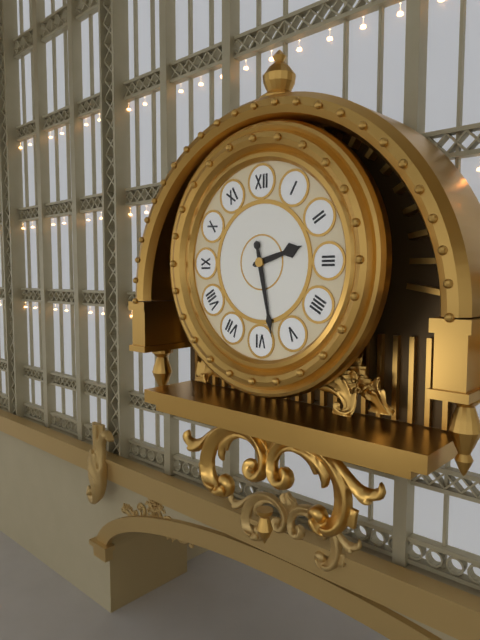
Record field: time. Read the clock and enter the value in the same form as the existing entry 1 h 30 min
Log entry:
2 h 28 min
